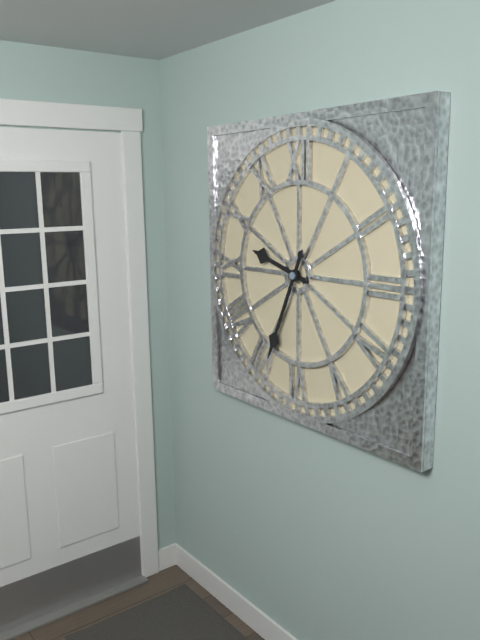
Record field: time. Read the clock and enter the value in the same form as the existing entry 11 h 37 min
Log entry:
9 h 34 min
